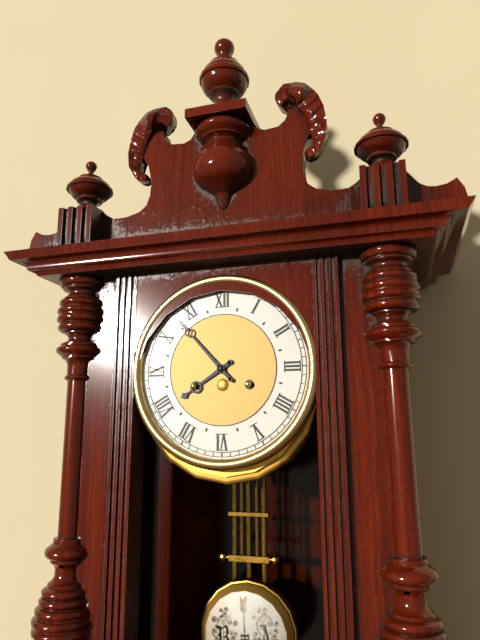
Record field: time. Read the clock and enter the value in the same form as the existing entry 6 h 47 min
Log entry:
7 h 53 min
